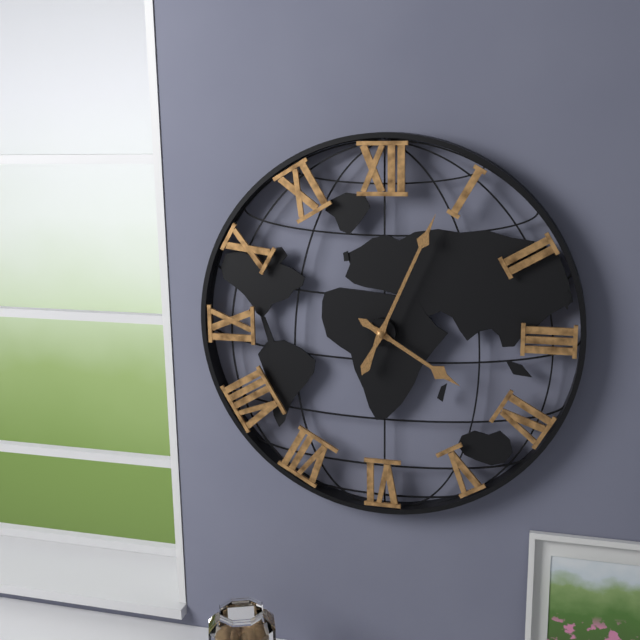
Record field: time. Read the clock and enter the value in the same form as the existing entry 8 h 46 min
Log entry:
4 h 04 min
